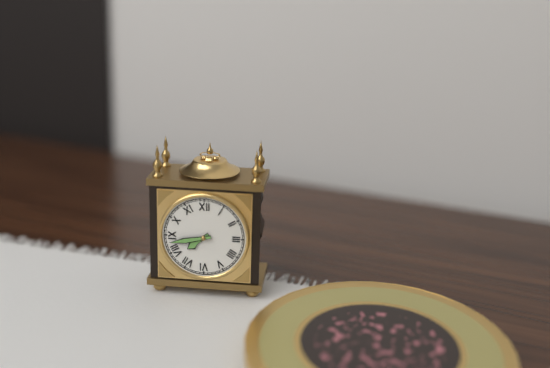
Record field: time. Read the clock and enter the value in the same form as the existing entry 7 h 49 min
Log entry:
7 h 43 min
